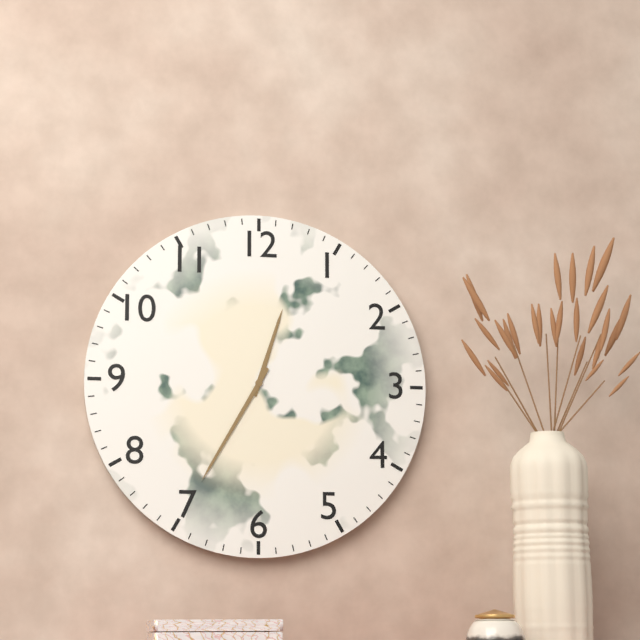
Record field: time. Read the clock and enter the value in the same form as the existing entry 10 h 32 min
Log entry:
12 h 35 min
